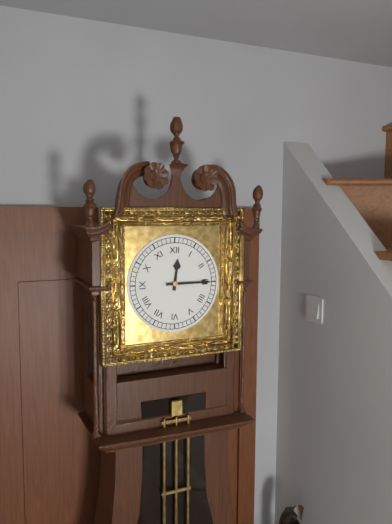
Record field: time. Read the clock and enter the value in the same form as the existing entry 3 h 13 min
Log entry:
12 h 15 min
